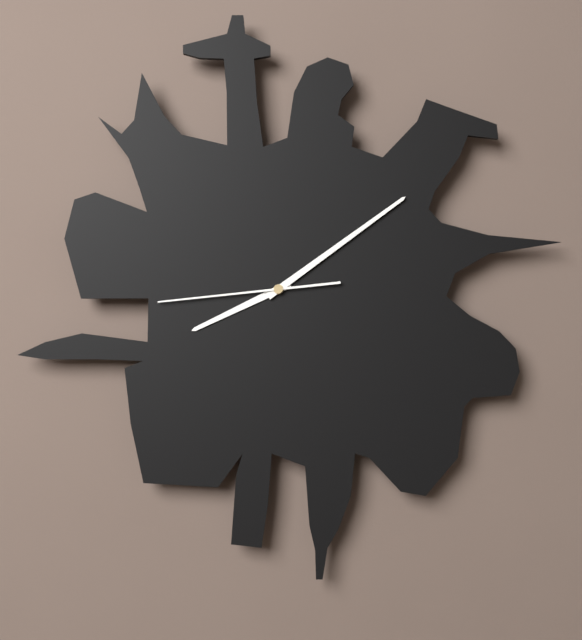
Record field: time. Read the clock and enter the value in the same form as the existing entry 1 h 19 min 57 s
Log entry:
8 h 09 min 44 s
